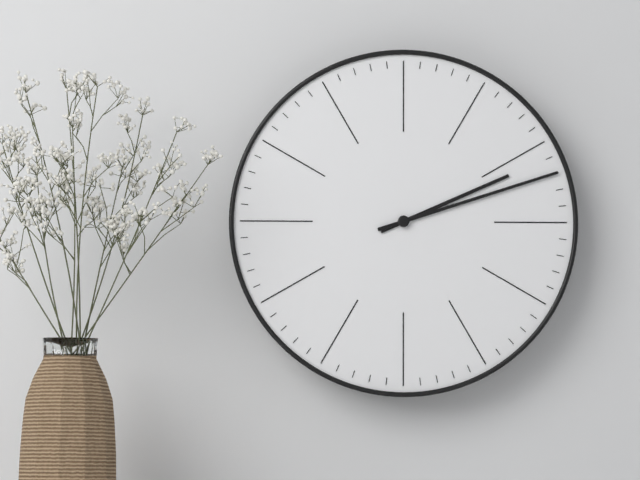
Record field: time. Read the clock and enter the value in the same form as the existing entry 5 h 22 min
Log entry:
2 h 12 min
